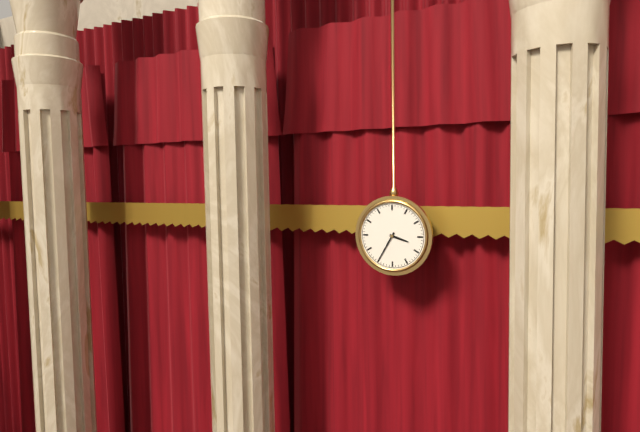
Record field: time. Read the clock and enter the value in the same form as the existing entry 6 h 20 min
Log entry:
3 h 35 min
